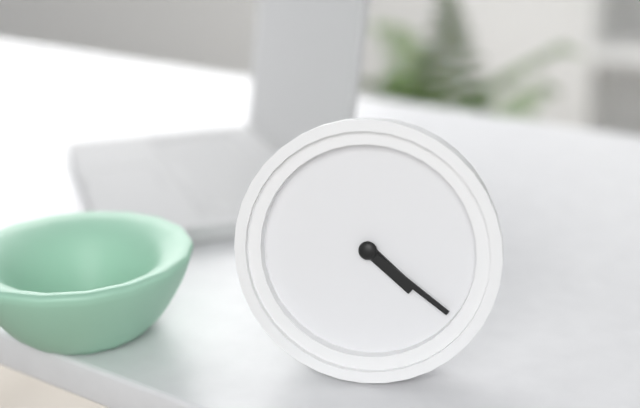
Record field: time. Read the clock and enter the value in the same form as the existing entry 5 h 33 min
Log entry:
4 h 21 min
